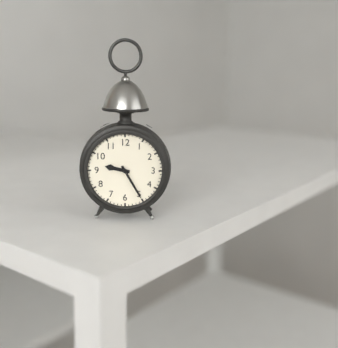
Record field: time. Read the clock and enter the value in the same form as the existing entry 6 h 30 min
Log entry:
9 h 25 min
